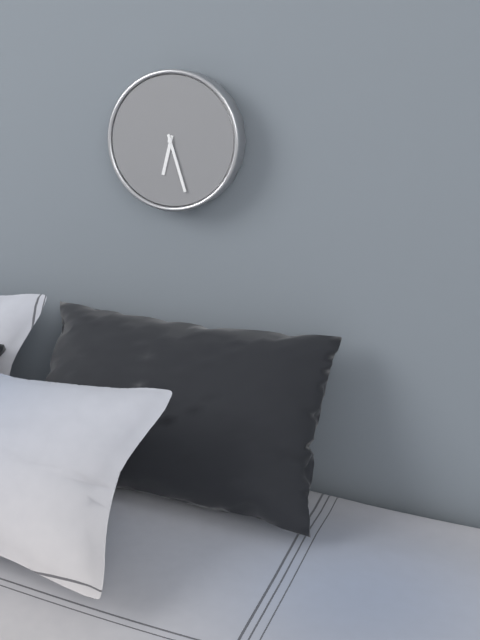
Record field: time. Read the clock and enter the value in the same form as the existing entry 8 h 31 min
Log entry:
6 h 27 min
